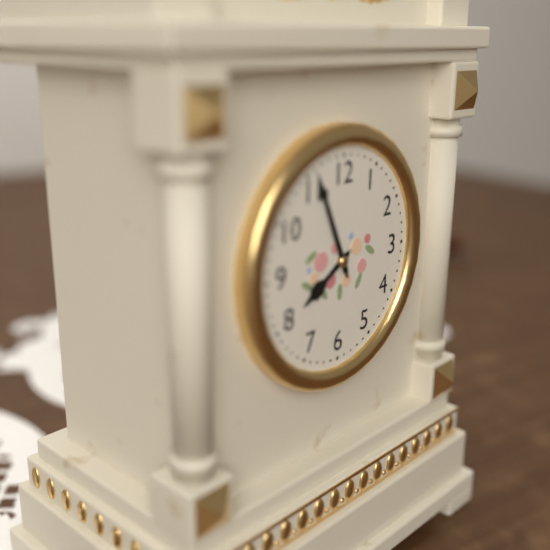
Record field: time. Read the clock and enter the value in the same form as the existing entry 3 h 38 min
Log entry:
7 h 56 min
